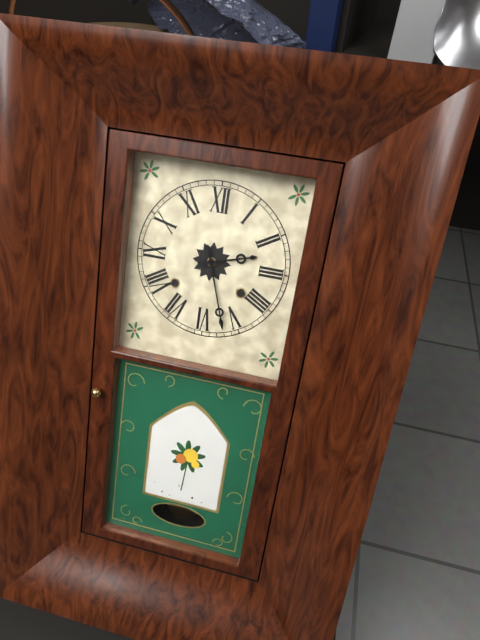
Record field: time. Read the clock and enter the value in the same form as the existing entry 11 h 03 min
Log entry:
2 h 27 min
